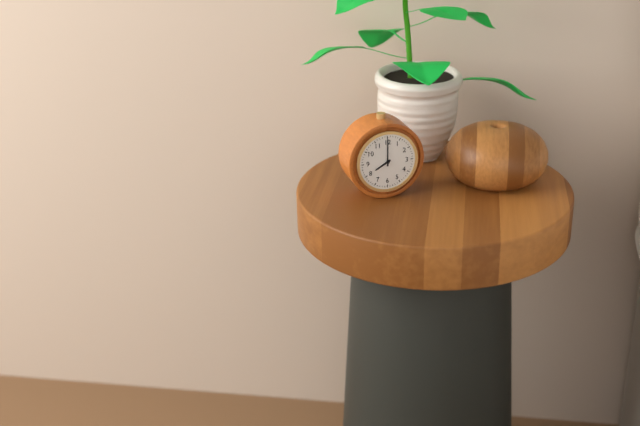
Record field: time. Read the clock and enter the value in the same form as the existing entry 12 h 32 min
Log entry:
8 h 00 min
